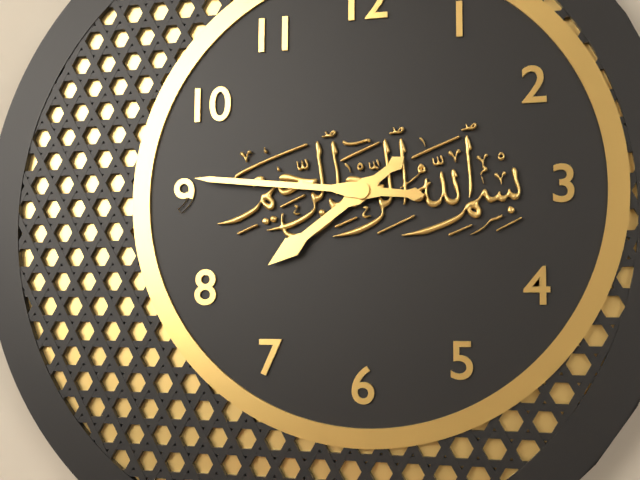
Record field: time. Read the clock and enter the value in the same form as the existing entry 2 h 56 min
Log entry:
7 h 46 min
